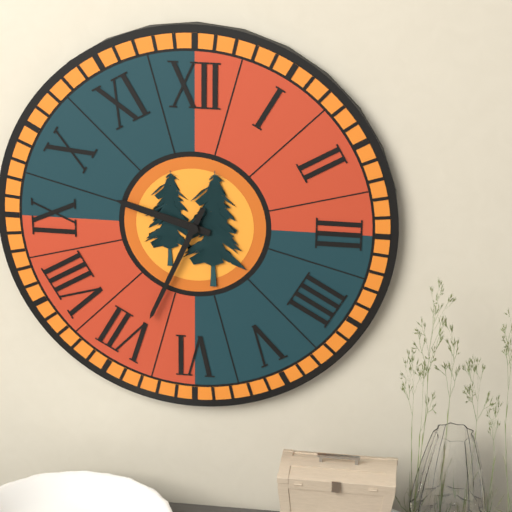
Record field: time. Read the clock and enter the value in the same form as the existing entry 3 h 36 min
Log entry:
9 h 34 min
